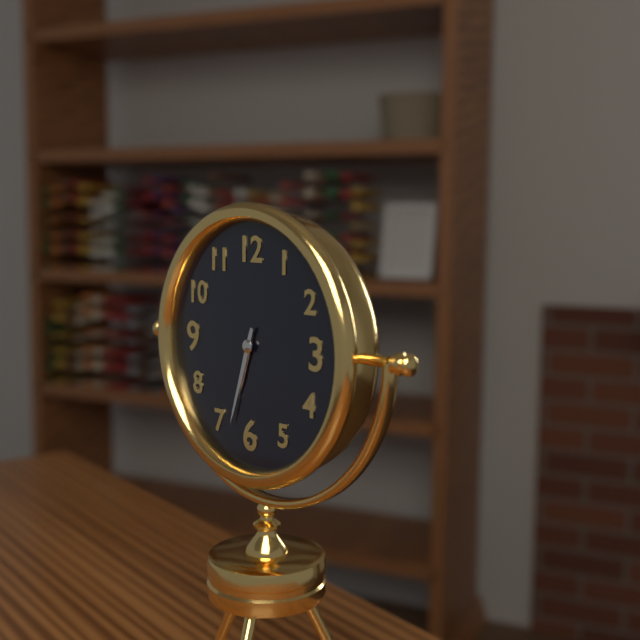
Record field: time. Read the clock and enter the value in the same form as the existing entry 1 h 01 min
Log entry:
6 h 33 min
